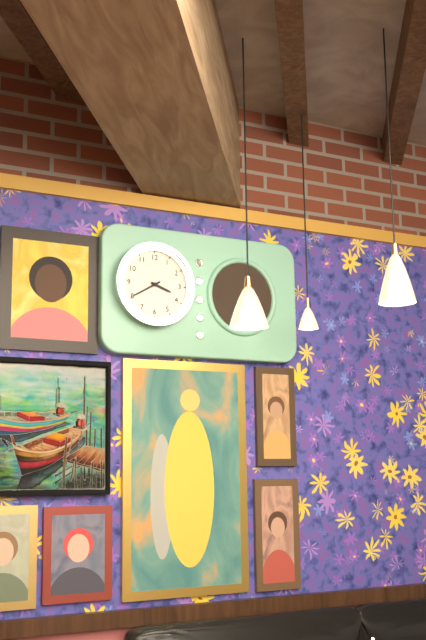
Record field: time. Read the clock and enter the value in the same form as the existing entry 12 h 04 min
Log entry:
3 h 40 min
